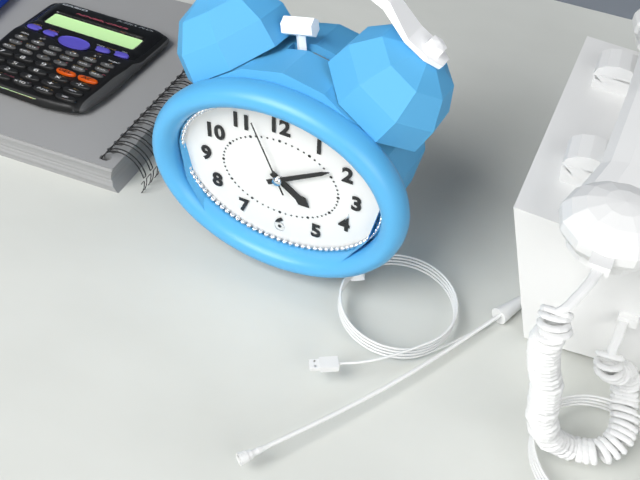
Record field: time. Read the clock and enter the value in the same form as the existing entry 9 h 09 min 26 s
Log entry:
4 h 10 min 56 s
